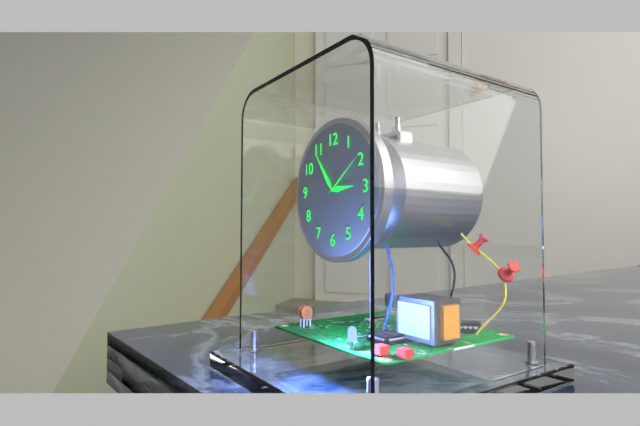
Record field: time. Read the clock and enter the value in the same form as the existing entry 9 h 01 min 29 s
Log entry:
2 h 54 min 09 s
